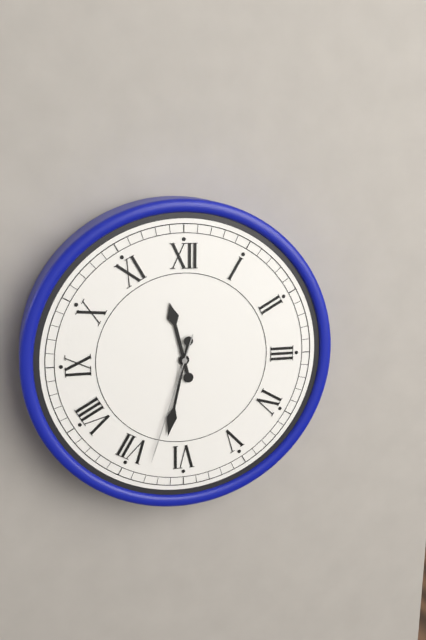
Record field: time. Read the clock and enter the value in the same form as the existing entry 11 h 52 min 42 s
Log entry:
11 h 32 min 33 s
